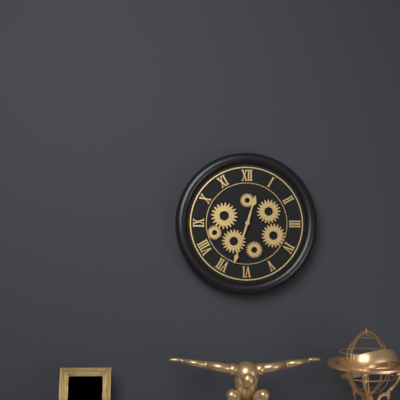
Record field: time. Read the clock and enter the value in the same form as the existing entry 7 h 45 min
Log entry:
12 h 33 min
